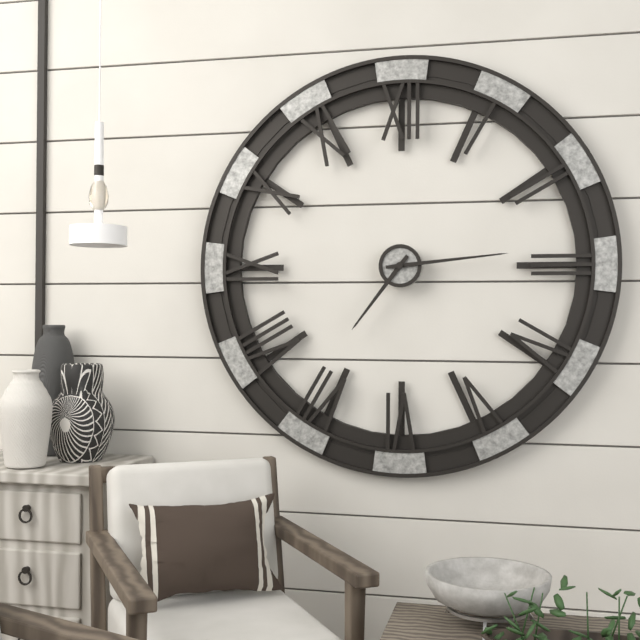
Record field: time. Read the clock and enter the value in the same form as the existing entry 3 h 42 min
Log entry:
7 h 14 min
